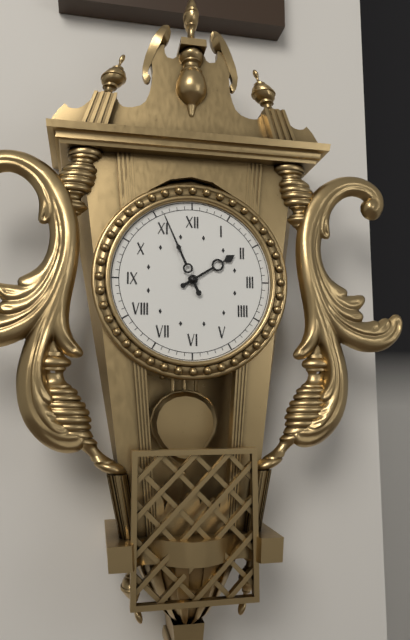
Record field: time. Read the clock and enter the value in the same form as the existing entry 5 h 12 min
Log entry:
1 h 56 min
